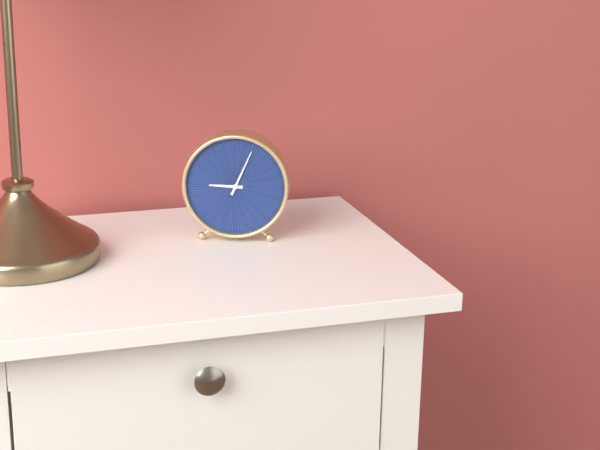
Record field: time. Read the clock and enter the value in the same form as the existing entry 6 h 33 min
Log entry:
9 h 04 min
